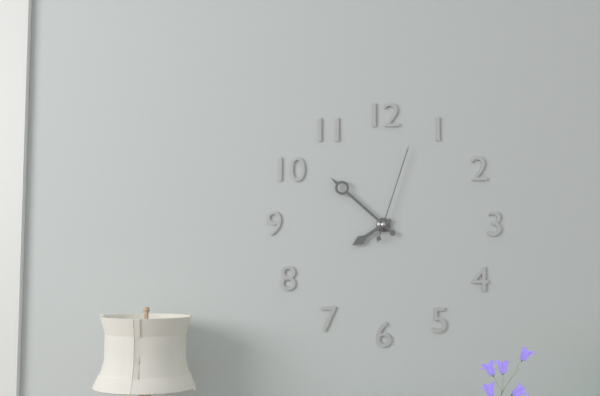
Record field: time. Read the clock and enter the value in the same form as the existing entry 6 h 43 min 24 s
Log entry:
7 h 52 min 03 s
